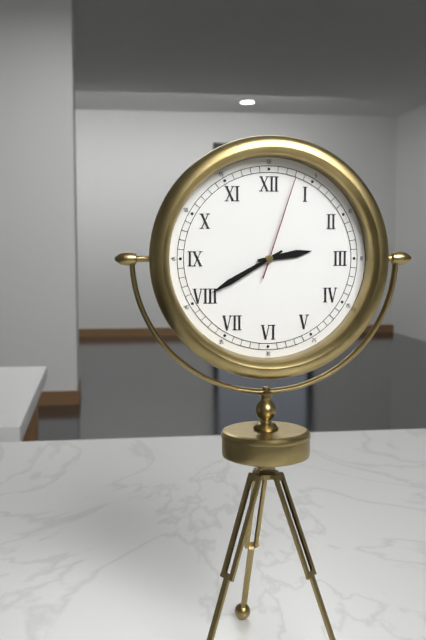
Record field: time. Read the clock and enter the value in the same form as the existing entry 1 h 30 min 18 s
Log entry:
2 h 40 min 03 s
